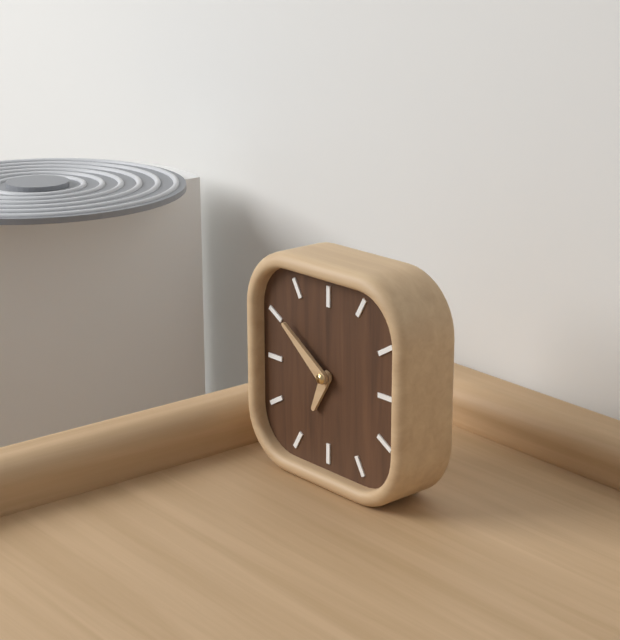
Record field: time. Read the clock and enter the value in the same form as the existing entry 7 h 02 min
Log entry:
6 h 51 min
